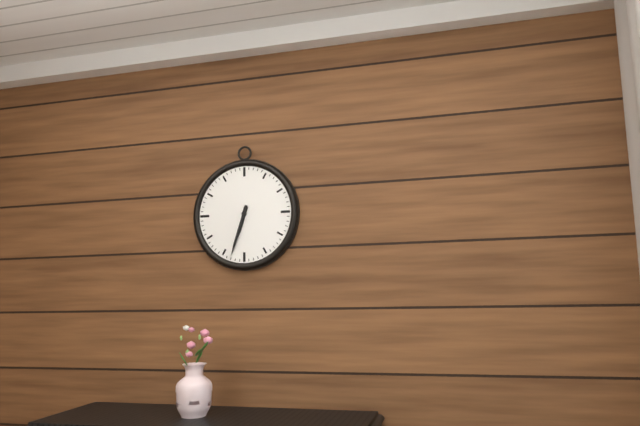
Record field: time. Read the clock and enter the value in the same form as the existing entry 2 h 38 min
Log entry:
6 h 33 min
